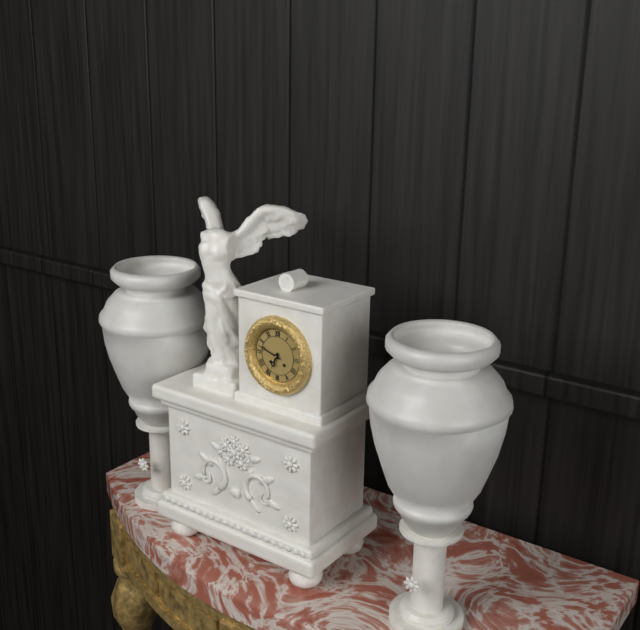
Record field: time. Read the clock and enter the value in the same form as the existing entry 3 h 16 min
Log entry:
6 h 48 min
